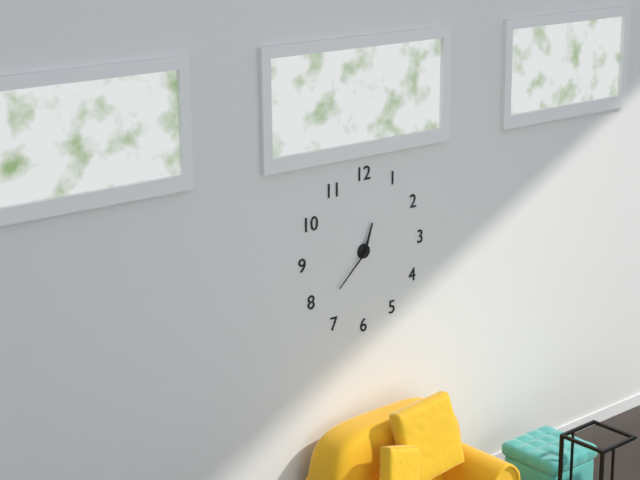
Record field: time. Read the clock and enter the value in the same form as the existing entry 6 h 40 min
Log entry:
12 h 38 min
